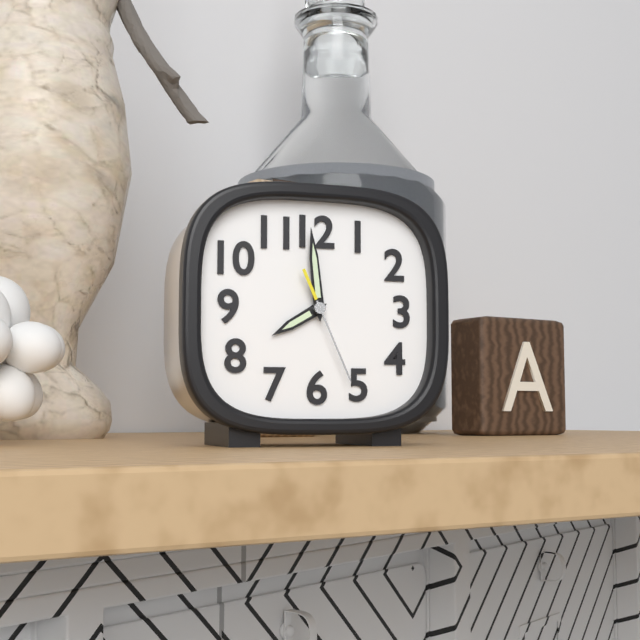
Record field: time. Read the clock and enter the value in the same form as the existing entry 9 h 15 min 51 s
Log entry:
7 h 59 min 26 s
